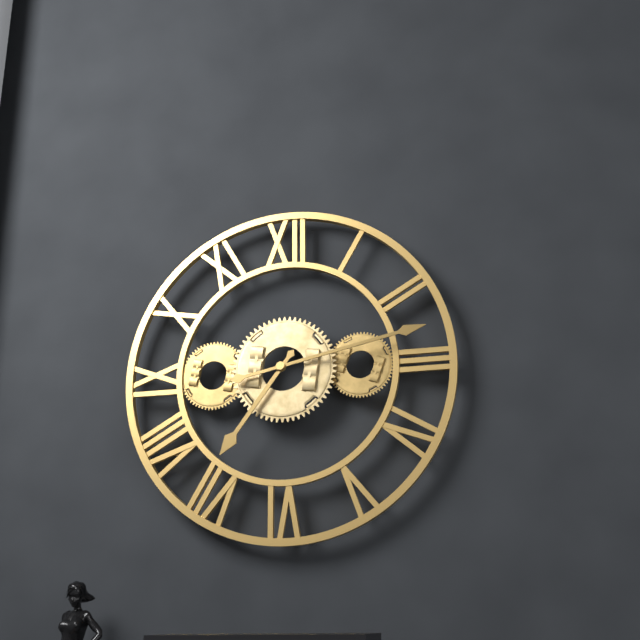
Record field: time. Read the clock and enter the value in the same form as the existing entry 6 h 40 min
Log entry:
7 h 13 min
